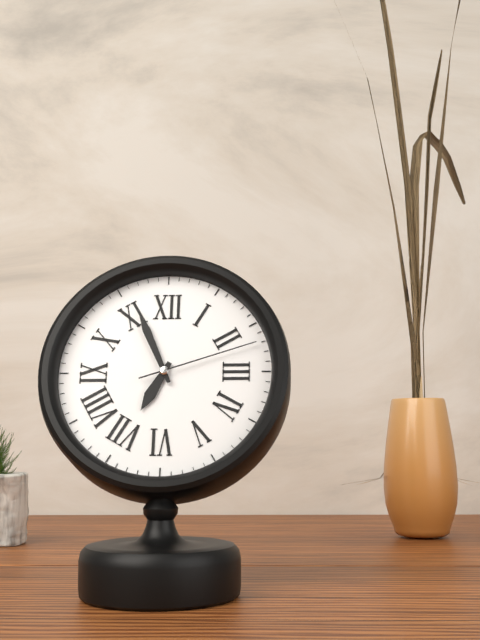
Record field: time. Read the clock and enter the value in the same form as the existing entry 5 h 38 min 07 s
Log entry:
6 h 56 min 12 s
